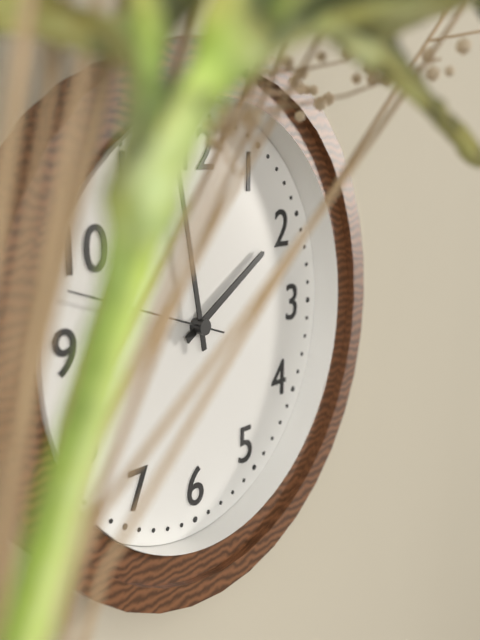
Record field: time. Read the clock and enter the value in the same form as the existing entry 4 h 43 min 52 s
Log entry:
1 h 58 min 48 s
